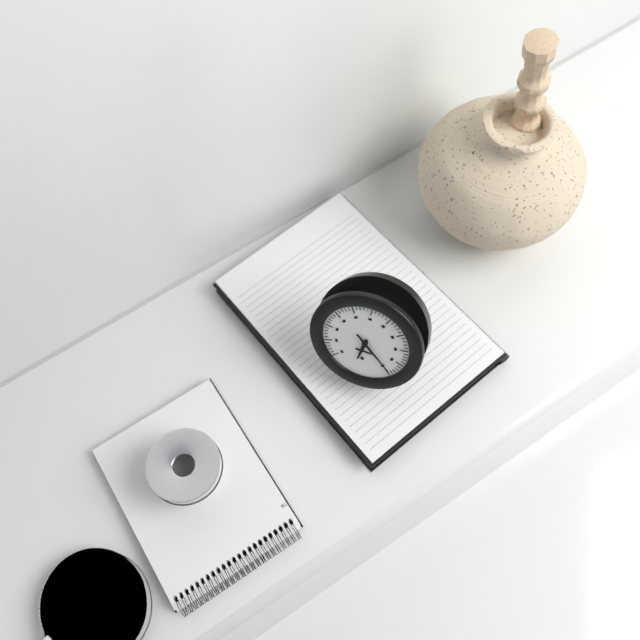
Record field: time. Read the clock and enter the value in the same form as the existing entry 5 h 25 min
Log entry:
6 h 22 min
